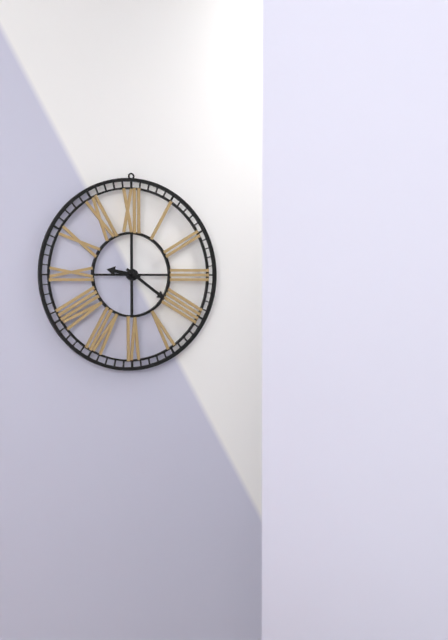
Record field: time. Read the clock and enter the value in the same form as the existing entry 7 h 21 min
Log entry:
9 h 21 min
